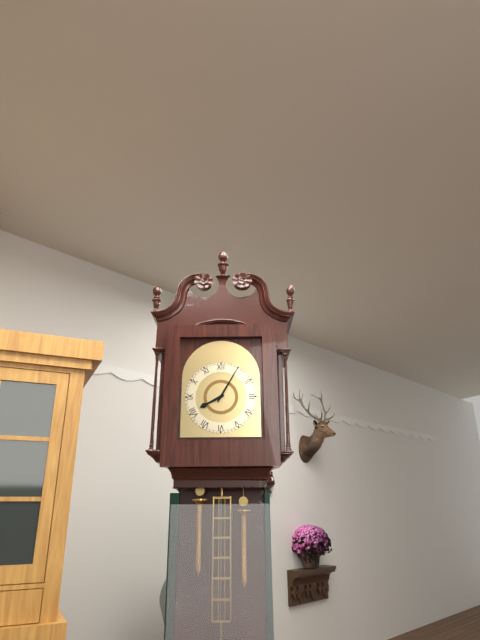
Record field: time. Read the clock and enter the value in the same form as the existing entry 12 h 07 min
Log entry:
8 h 05 min
